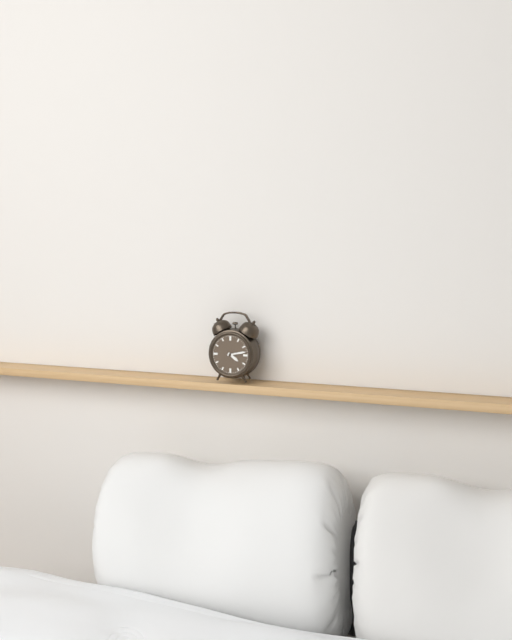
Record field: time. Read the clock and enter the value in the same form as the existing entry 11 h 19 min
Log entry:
4 h 13 min
